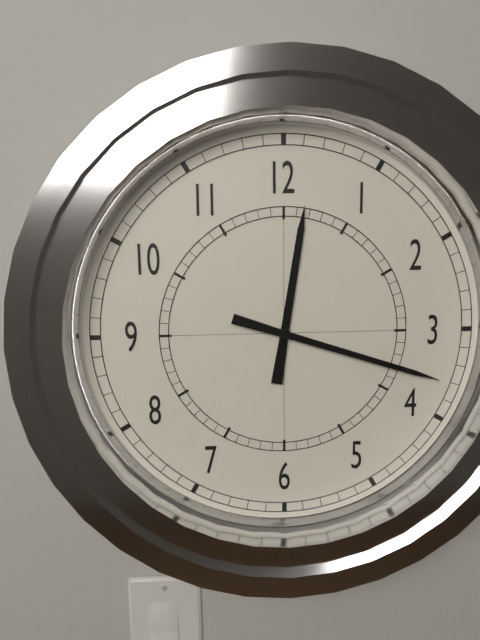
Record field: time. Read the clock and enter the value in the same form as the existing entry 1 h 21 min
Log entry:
12 h 18 min
